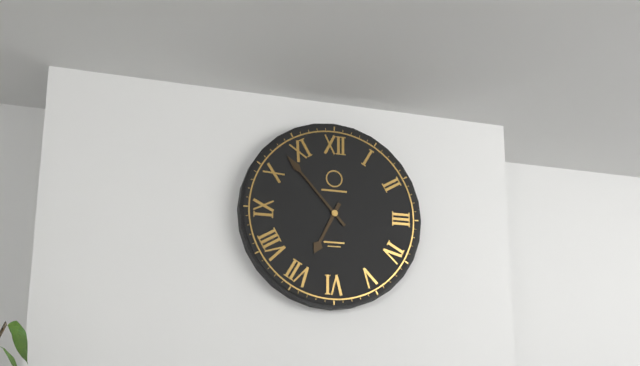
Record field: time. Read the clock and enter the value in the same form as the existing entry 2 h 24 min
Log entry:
6 h 53 min
